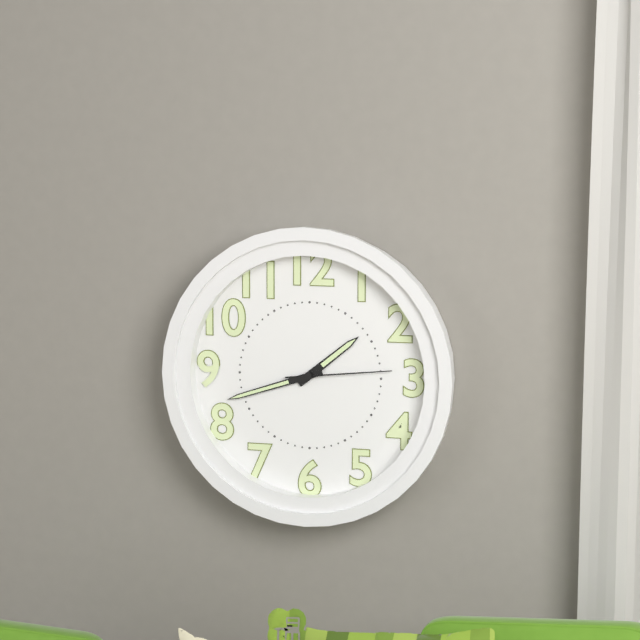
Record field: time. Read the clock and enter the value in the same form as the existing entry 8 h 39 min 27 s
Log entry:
1 h 42 min 14 s
